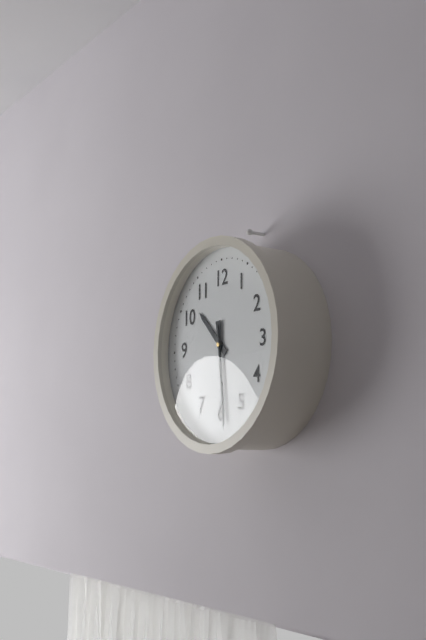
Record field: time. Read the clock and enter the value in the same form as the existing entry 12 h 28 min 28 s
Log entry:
10 h 29 min 29 s
